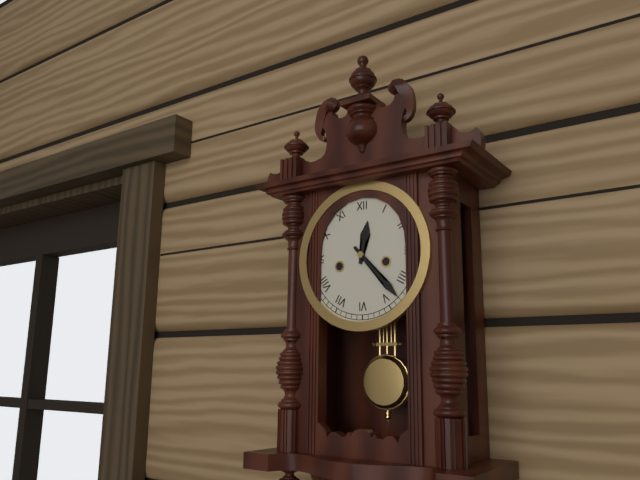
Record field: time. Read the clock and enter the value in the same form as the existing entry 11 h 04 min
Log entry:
12 h 23 min
